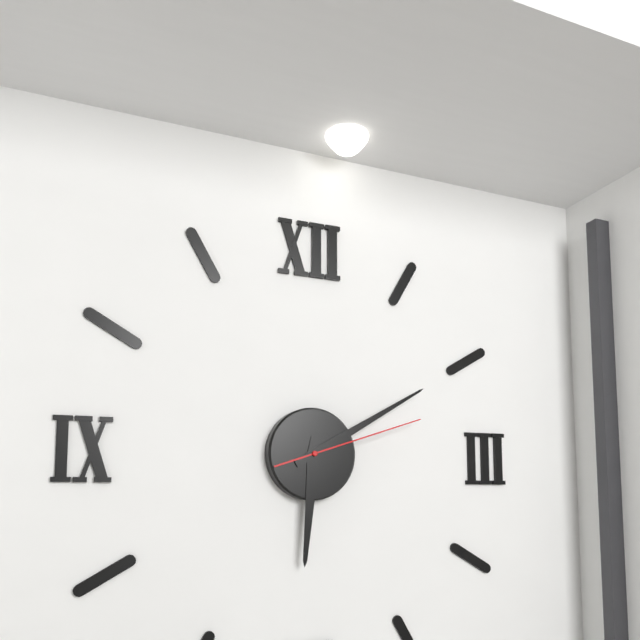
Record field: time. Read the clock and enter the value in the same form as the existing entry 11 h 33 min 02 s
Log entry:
6 h 10 min 12 s
